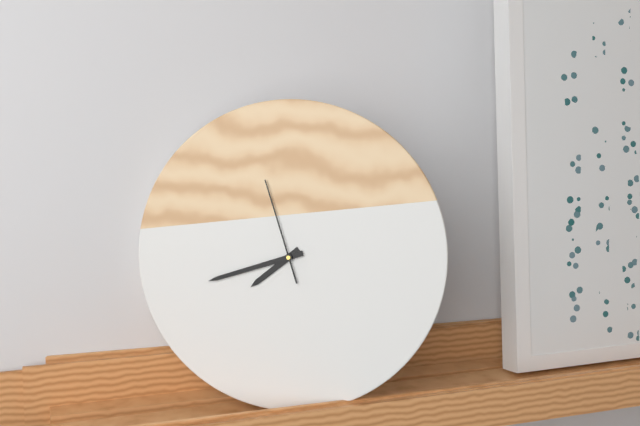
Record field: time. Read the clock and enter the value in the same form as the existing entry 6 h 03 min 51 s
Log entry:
7 h 42 min 57 s
